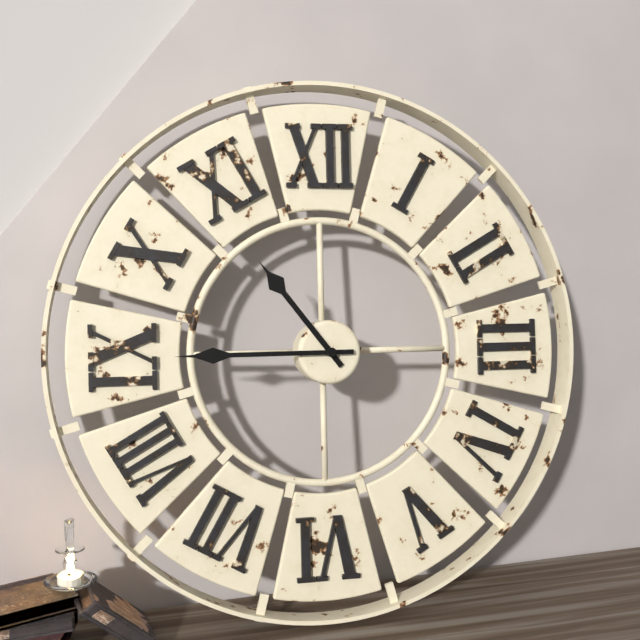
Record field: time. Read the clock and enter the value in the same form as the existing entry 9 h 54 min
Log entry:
10 h 45 min
